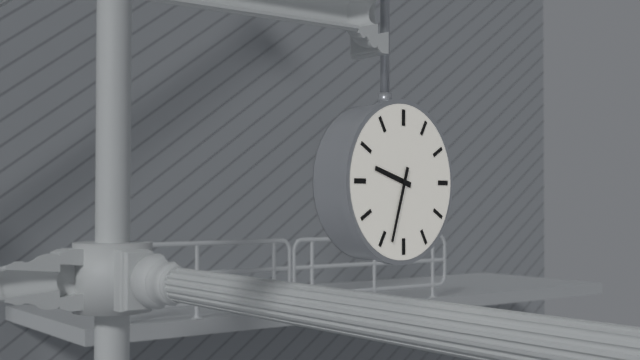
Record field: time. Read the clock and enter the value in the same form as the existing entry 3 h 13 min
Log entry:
9 h 33 min
